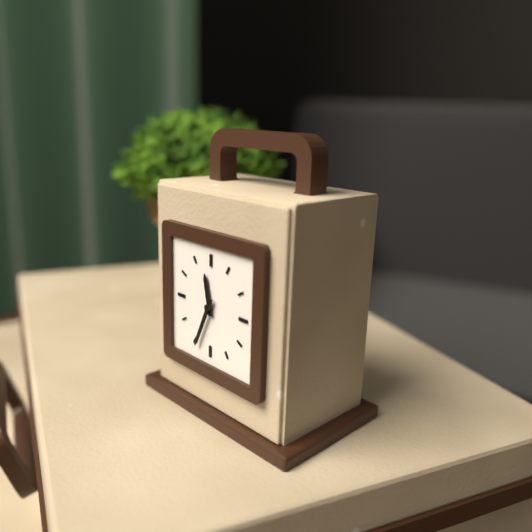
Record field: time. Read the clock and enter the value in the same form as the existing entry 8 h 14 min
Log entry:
11 h 34 min
